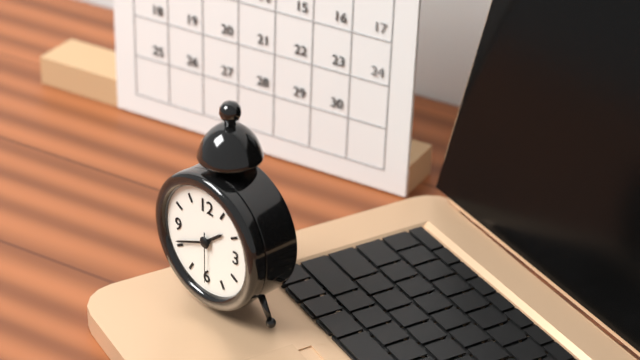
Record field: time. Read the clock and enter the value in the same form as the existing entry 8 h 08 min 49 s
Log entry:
1 h 41 min 30 s
